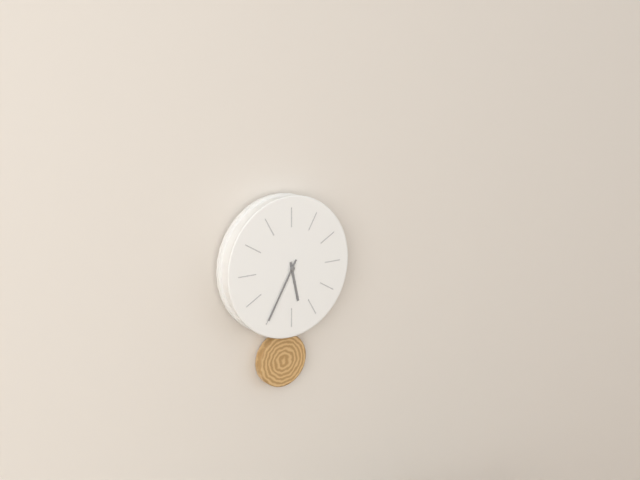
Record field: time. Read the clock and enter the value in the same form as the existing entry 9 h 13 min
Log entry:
5 h 35 min
